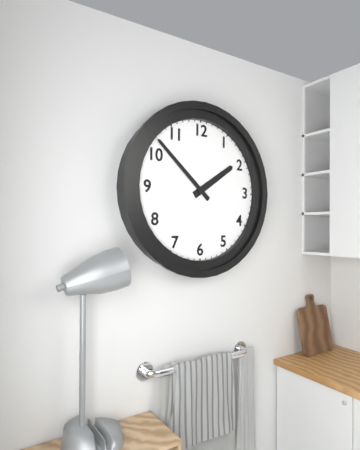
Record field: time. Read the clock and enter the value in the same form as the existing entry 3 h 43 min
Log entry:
1 h 52 min
